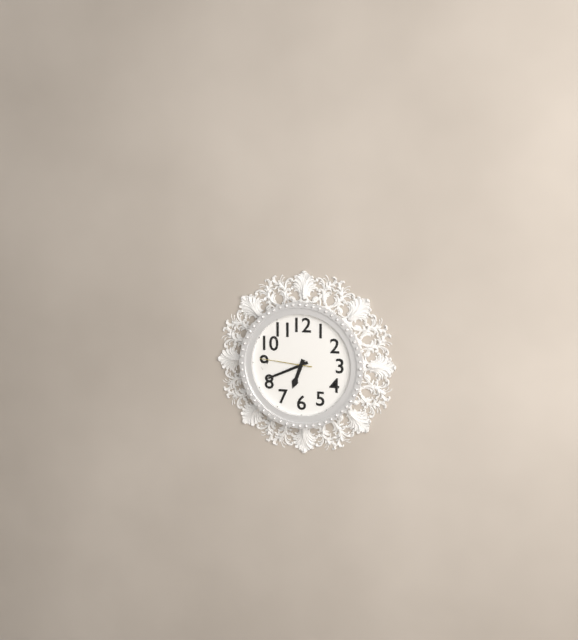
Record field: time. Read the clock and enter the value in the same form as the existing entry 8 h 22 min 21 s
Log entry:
6 h 41 min 46 s
